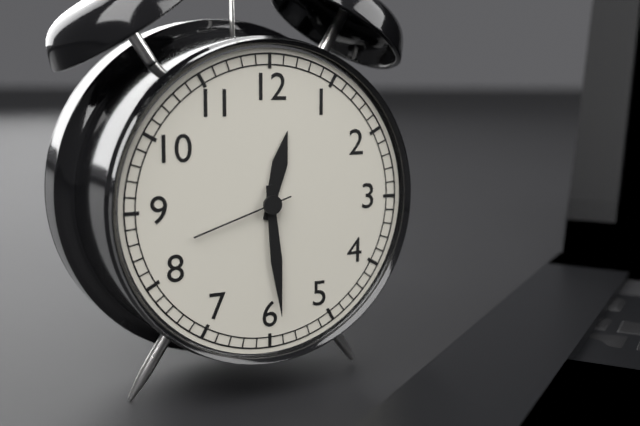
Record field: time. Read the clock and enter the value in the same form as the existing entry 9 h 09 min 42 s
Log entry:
12 h 29 min 42 s
